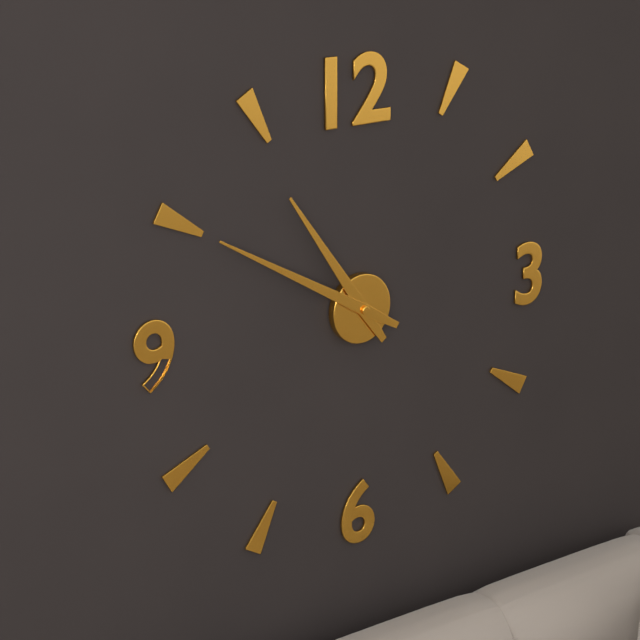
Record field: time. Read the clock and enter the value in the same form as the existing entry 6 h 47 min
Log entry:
10 h 50 min
